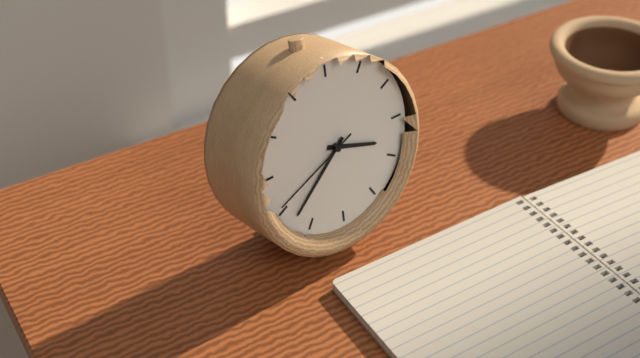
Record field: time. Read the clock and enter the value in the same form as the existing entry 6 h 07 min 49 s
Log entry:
3 h 38 min 41 s
